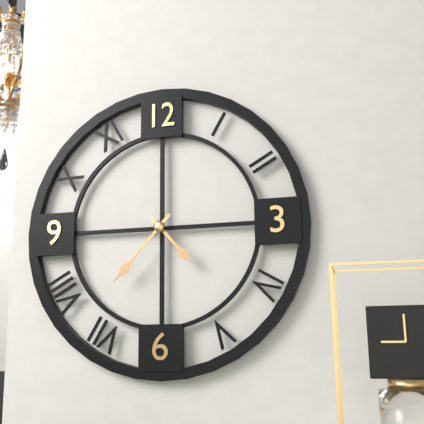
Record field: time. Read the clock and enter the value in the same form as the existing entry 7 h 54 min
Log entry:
4 h 37 min
